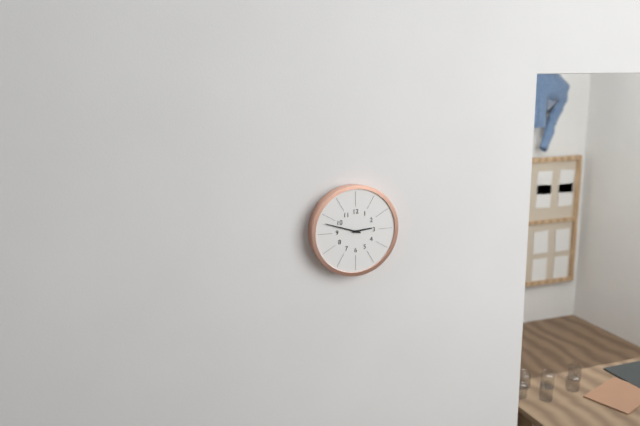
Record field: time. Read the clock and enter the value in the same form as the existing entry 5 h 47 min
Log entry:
2 h 48 min
